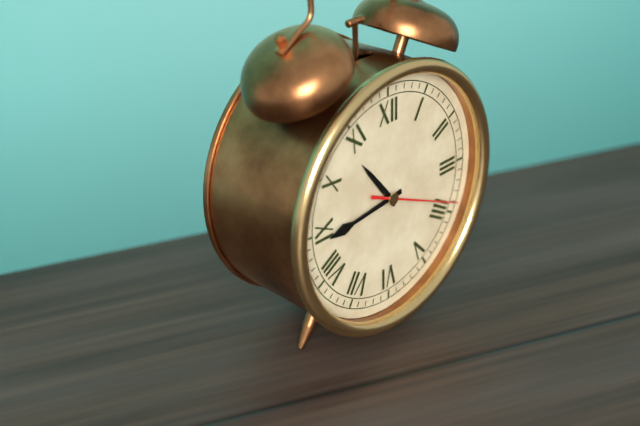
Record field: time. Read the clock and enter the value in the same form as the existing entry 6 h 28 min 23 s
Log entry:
10 h 44 min 19 s
